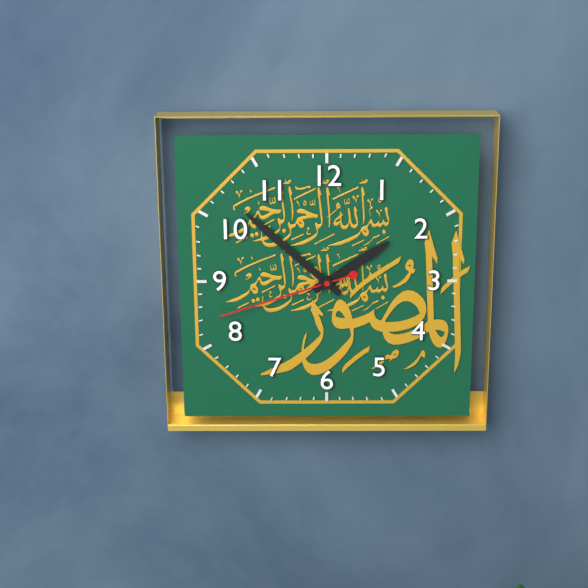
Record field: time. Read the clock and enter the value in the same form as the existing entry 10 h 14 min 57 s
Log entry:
1 h 52 min 42 s
